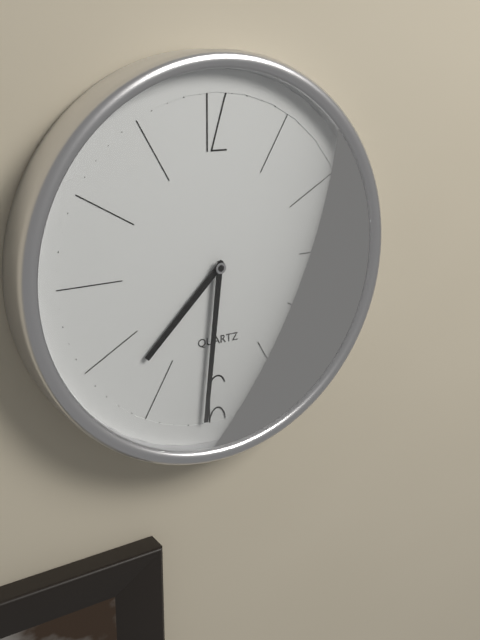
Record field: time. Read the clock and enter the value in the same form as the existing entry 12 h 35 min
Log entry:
7 h 31 min
